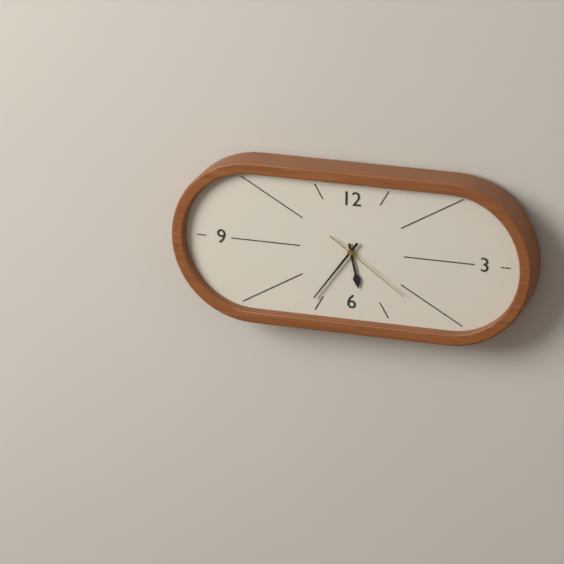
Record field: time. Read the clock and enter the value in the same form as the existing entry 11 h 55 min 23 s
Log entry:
5 h 36 min 21 s
